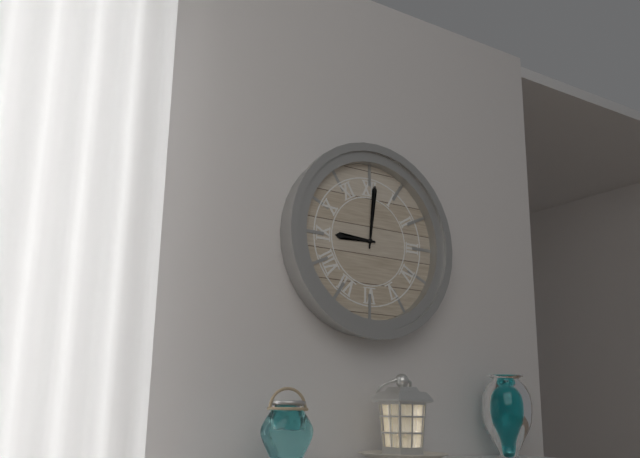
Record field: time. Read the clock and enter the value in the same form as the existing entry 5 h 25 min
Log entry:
9 h 01 min
